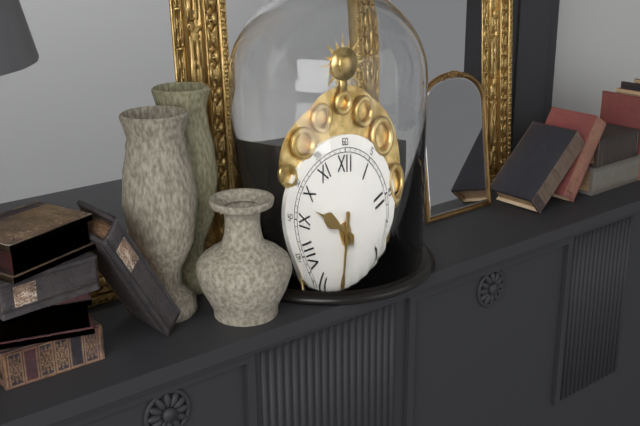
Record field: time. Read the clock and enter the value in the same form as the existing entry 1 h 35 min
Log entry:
9 h 31 min
